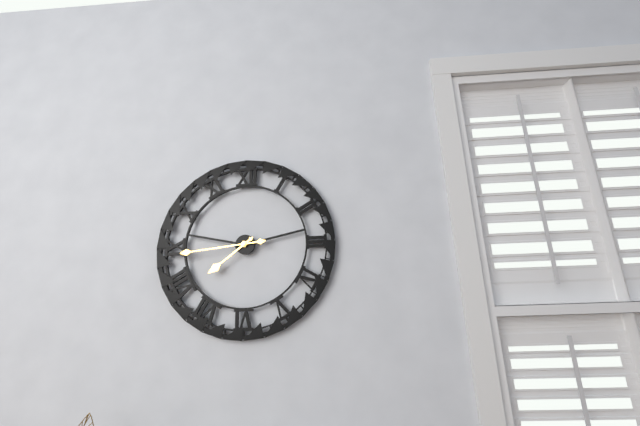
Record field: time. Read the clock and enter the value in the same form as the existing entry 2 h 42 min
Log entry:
7 h 44 min
